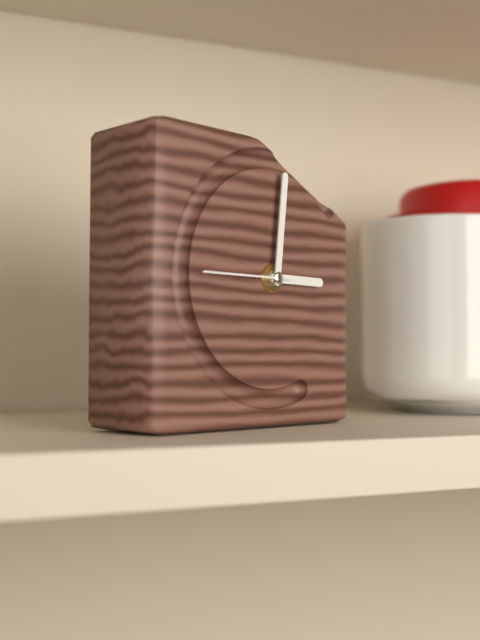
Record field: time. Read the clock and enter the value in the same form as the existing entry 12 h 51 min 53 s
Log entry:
3 h 01 min 45 s
